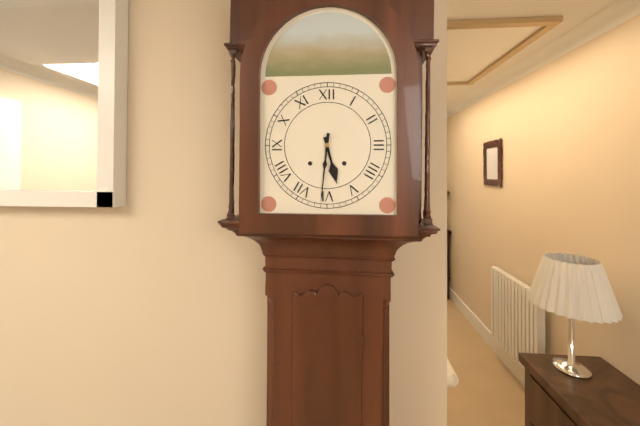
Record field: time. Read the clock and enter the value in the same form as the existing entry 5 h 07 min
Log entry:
5 h 31 min
